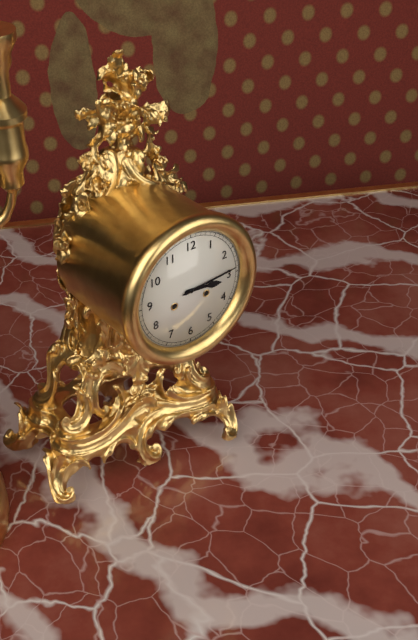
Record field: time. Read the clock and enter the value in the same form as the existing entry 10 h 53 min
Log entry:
3 h 14 min
